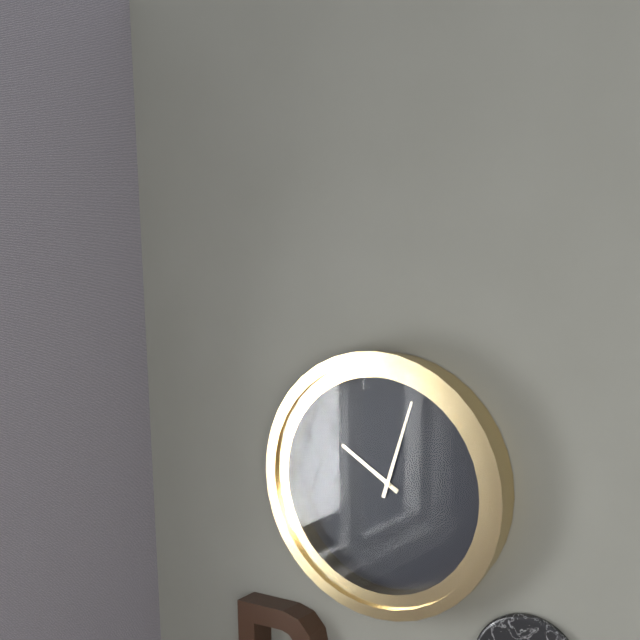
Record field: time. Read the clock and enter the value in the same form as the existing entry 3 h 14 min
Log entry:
10 h 03 min
